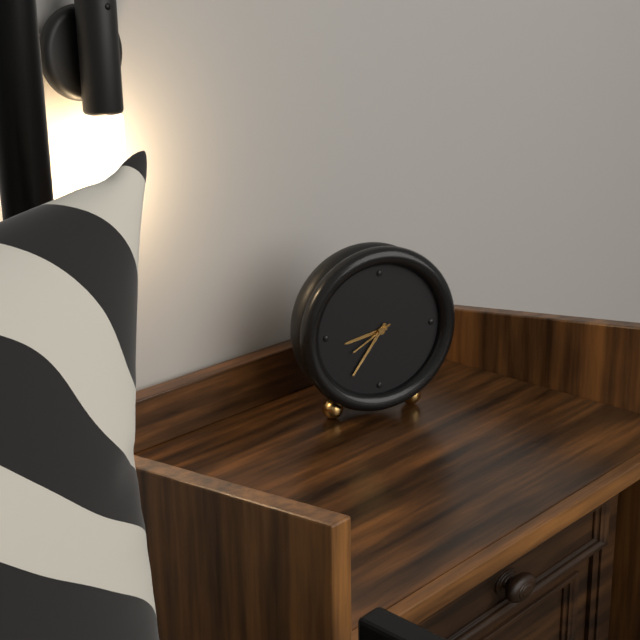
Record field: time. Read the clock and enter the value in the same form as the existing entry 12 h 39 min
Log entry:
8 h 36 min
